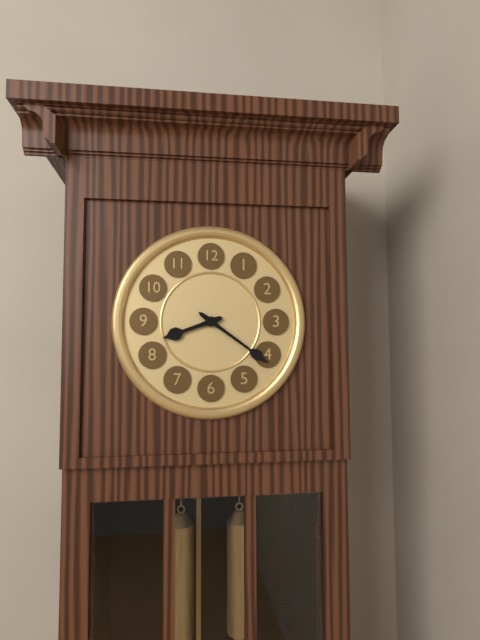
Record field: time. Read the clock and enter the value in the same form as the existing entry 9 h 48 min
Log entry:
8 h 21 min
